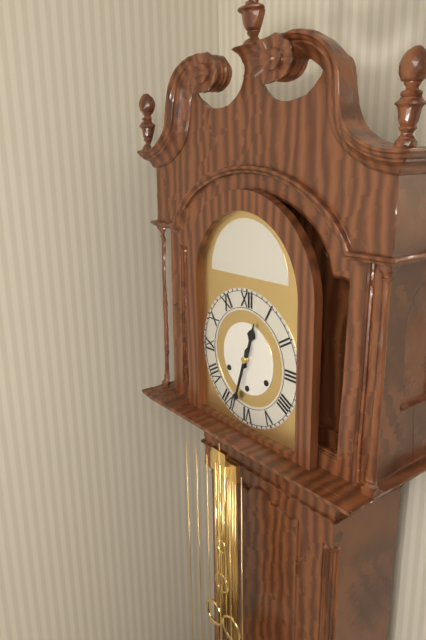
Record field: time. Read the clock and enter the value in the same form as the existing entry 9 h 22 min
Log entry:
12 h 33 min
